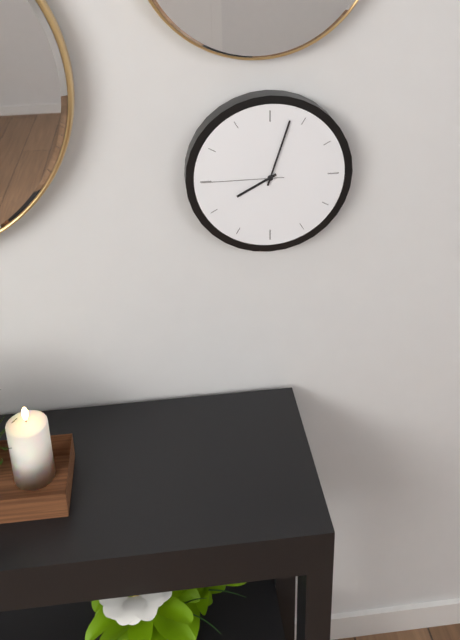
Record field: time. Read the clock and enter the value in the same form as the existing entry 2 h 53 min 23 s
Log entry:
8 h 03 min 45 s
